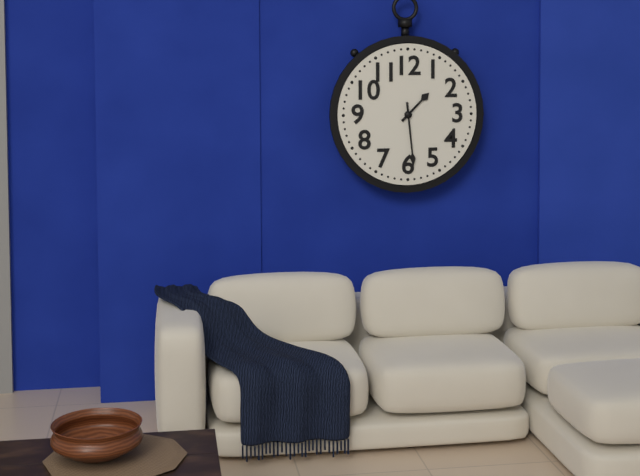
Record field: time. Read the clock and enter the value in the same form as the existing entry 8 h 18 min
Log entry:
1 h 29 min
